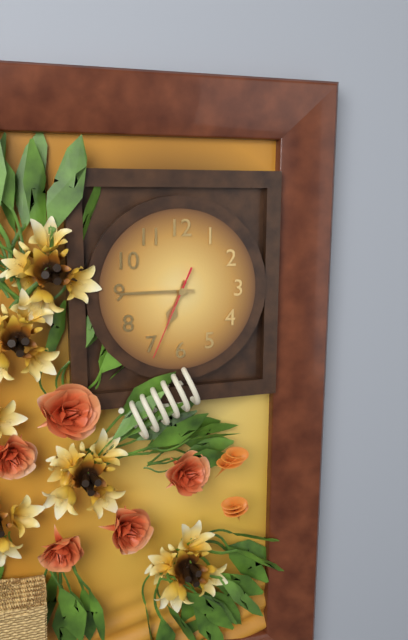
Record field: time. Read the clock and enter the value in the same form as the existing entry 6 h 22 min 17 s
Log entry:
6 h 45 min 34 s
